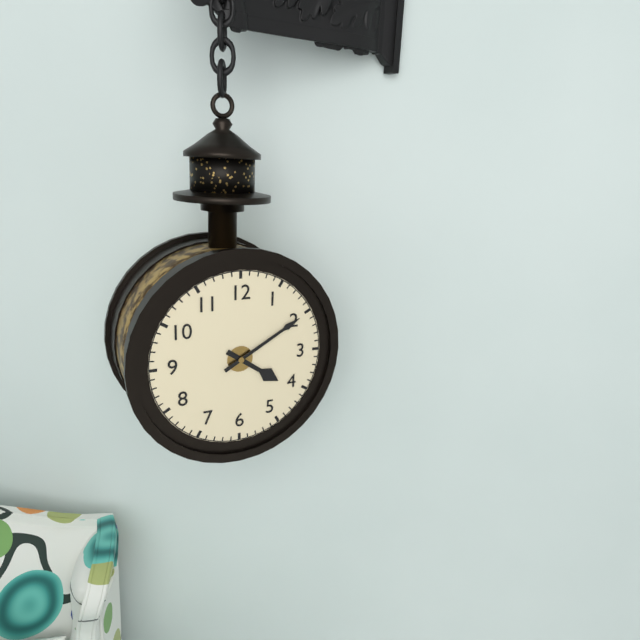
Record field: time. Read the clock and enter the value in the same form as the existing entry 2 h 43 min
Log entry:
4 h 10 min
